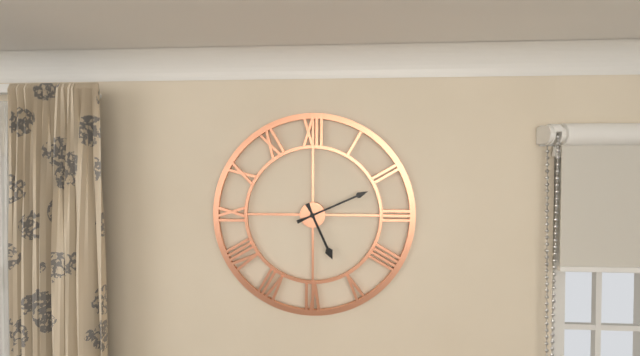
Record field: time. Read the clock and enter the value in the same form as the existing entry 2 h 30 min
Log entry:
5 h 11 min
